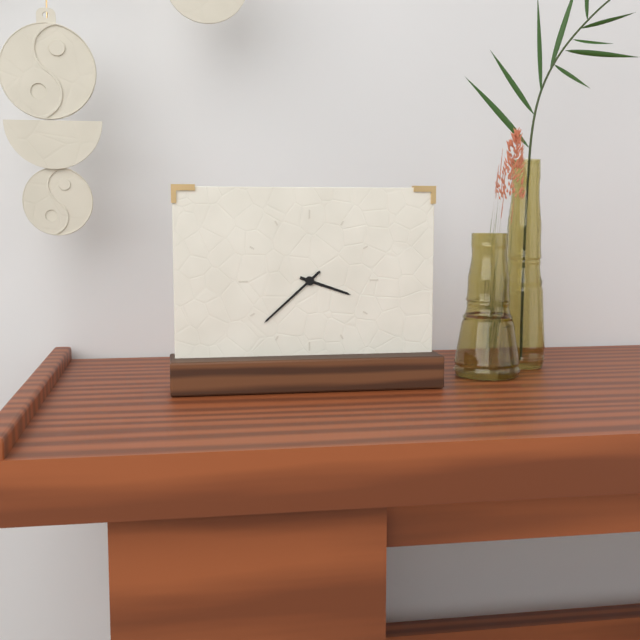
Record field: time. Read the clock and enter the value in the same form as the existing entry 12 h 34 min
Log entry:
3 h 38 min
